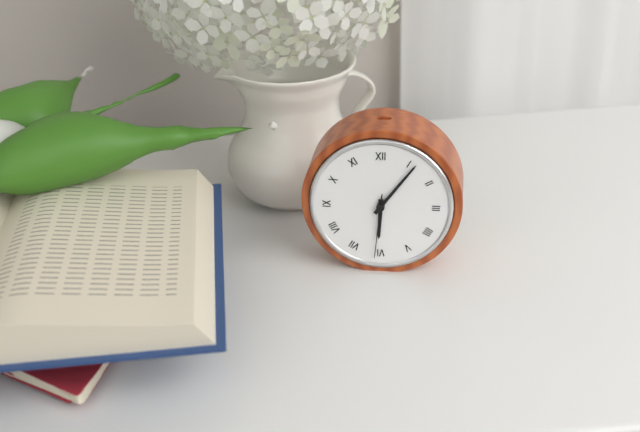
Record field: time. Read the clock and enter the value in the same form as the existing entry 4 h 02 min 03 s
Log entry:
6 h 06 min 31 s
